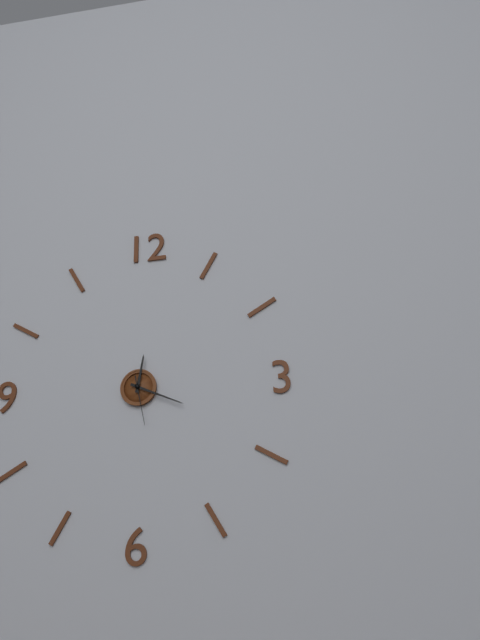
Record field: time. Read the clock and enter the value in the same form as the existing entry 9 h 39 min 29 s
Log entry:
12 h 19 min 28 s
